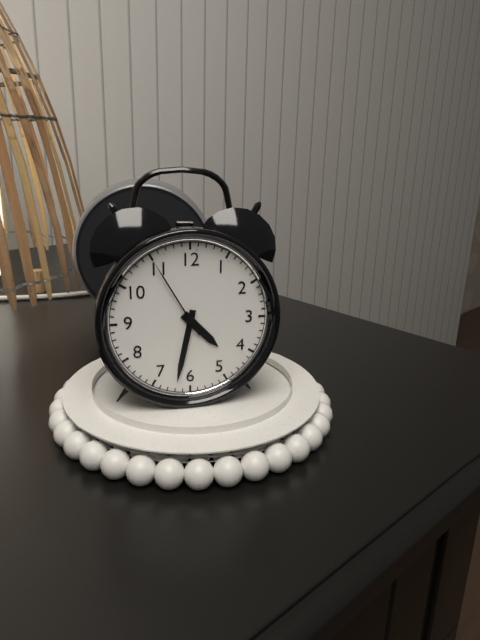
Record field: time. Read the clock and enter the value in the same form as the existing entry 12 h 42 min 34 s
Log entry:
4 h 32 min 55 s
